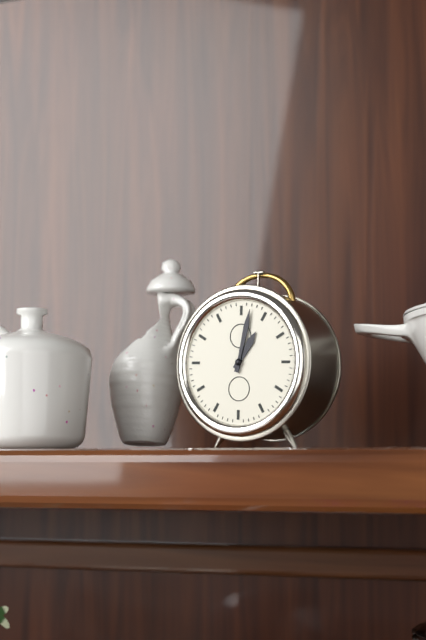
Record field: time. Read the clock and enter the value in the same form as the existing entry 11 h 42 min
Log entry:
1 h 02 min
